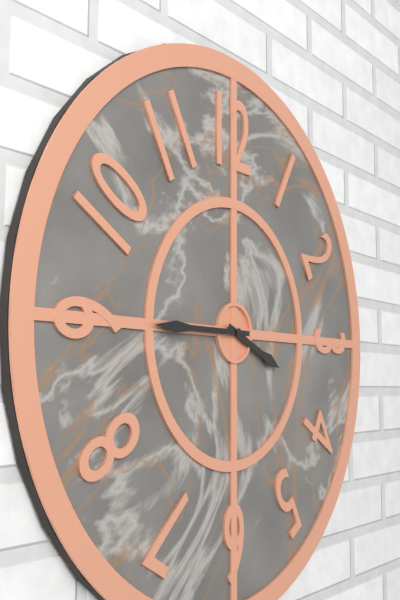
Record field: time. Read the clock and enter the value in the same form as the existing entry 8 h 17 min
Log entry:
3 h 45 min
